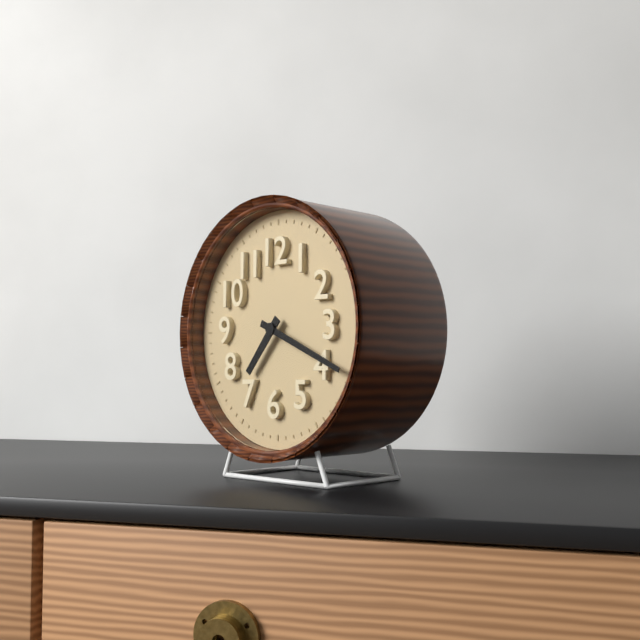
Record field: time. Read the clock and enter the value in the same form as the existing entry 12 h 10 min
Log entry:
7 h 19 min
